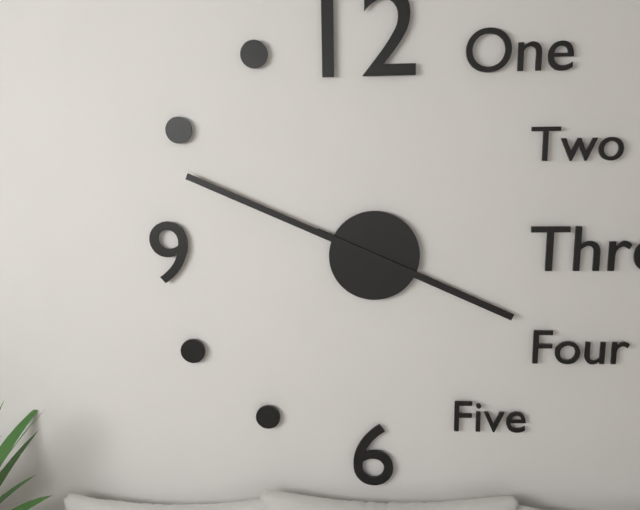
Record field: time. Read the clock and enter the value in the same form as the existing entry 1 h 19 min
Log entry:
3 h 49 min
